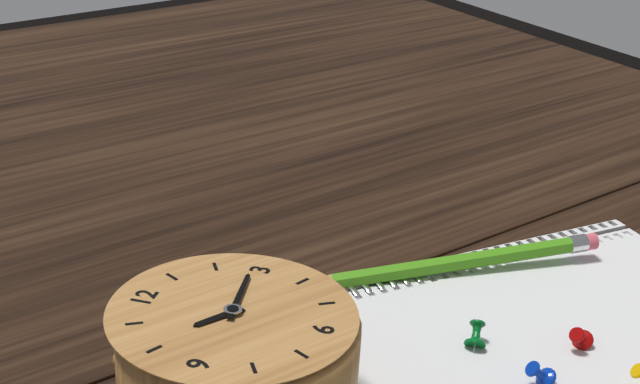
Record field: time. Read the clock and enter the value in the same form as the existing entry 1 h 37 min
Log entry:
10 h 14 min
